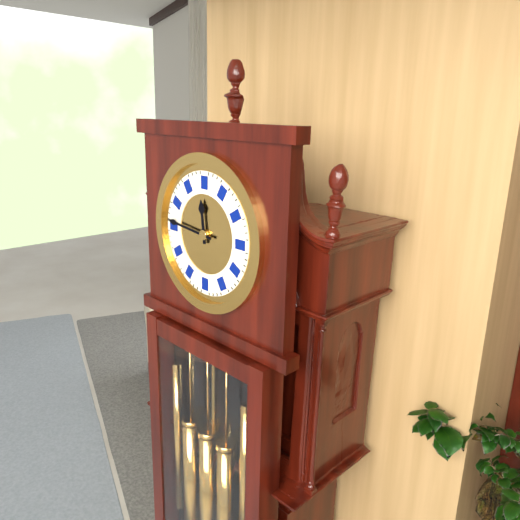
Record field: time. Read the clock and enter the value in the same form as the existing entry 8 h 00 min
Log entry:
11 h 46 min
